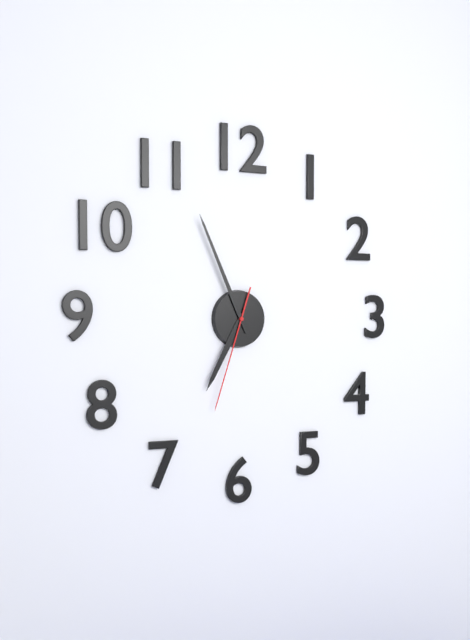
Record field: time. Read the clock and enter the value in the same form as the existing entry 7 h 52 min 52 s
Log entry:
6 h 56 min 33 s
